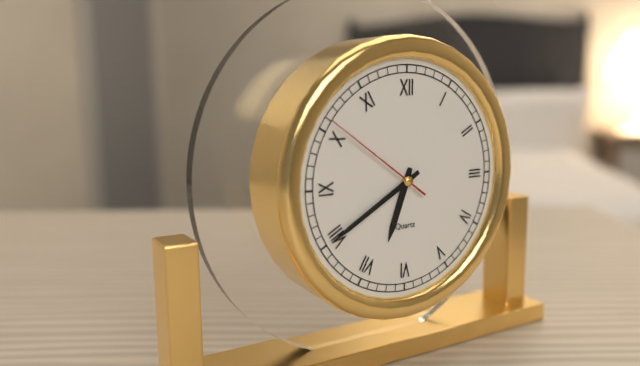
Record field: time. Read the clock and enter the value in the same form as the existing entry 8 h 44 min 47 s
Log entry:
6 h 40 min 51 s
